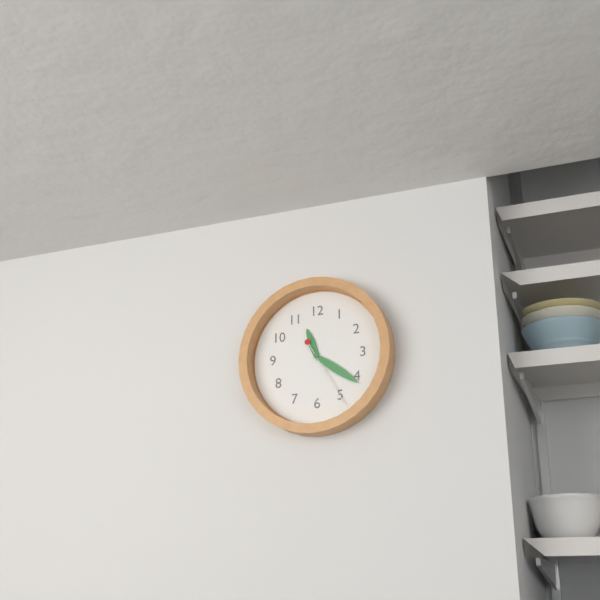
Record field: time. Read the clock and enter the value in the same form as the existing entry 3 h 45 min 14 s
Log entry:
11 h 21 min 25 s
